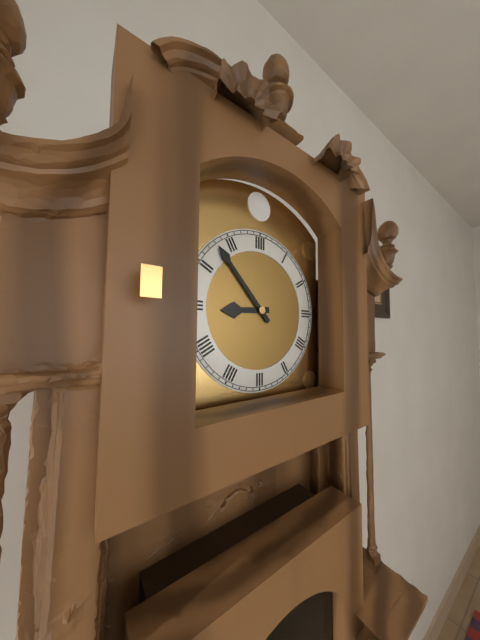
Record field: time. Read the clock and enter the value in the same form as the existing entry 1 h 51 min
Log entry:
8 h 53 min
